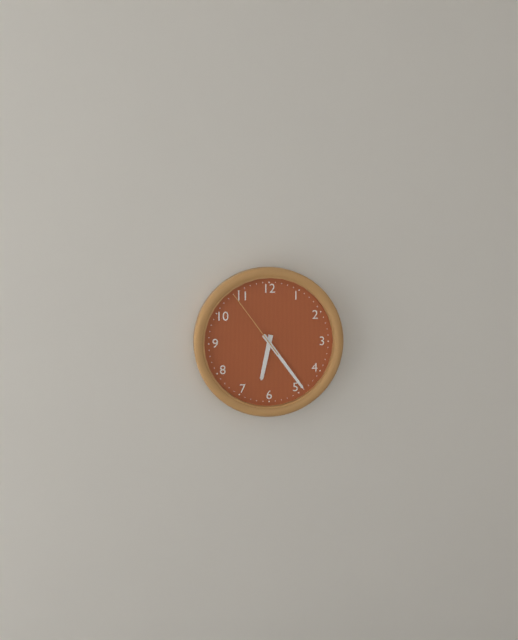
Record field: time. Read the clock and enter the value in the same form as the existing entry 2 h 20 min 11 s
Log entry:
6 h 24 min 54 s
